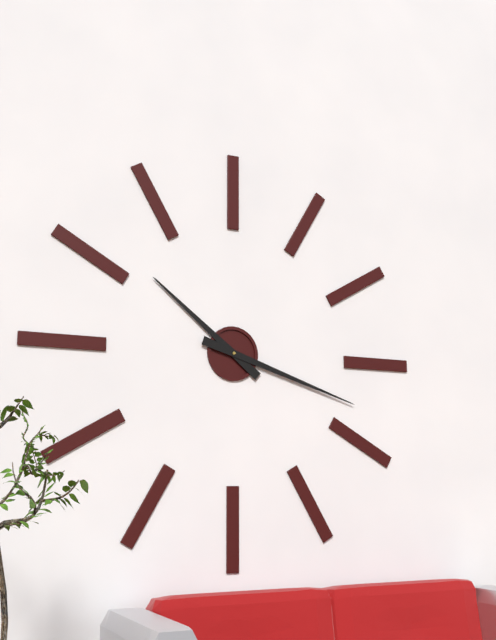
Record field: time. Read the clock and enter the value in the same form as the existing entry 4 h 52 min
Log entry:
10 h 18 min
